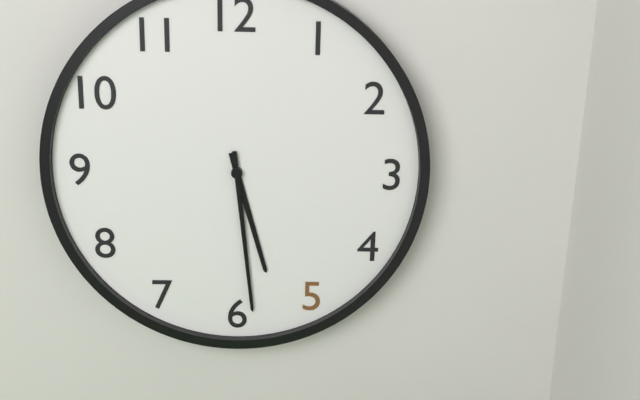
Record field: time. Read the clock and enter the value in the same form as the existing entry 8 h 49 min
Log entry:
5 h 29 min
